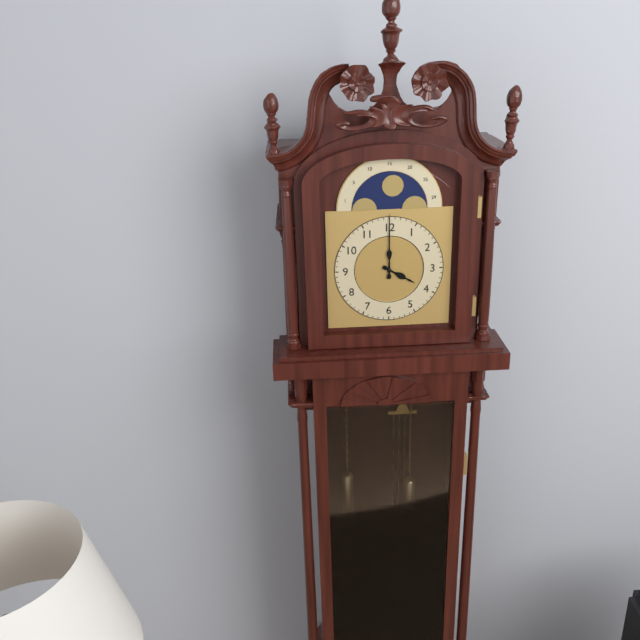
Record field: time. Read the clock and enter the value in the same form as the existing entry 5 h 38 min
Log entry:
4 h 00 min
